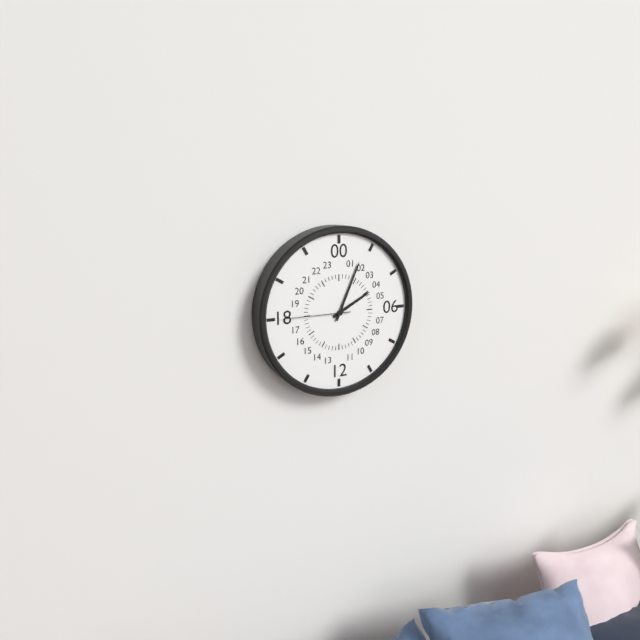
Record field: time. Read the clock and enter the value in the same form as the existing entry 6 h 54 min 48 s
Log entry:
2 h 04 min 45 s
